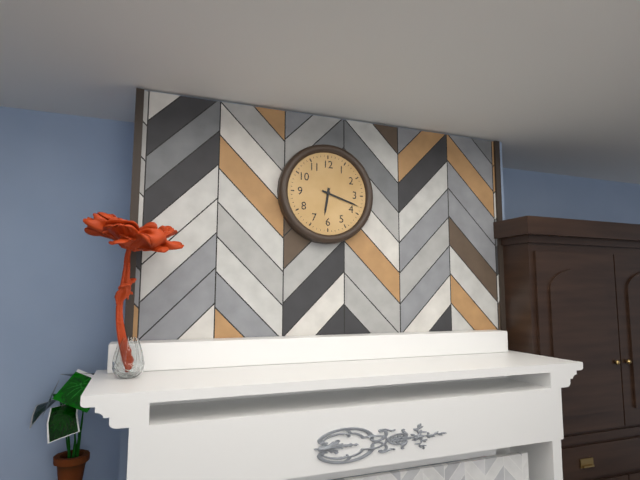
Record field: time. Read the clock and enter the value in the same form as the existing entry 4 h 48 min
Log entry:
6 h 18 min
